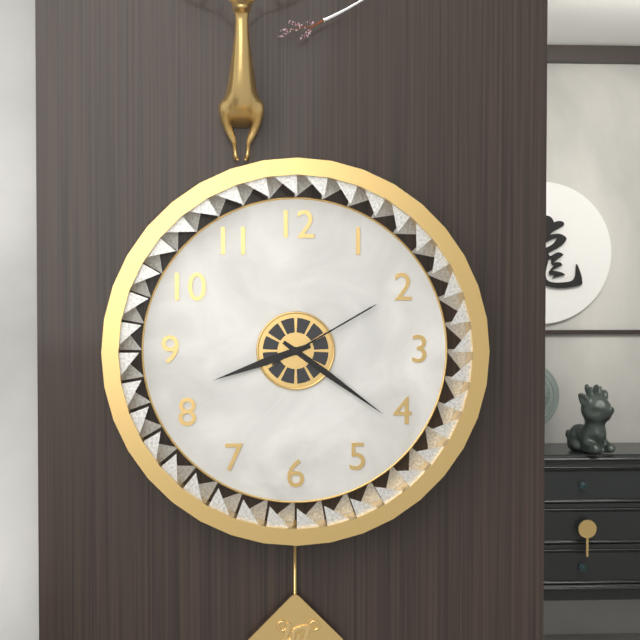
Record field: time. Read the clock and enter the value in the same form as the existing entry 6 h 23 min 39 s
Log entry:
8 h 21 min 10 s
